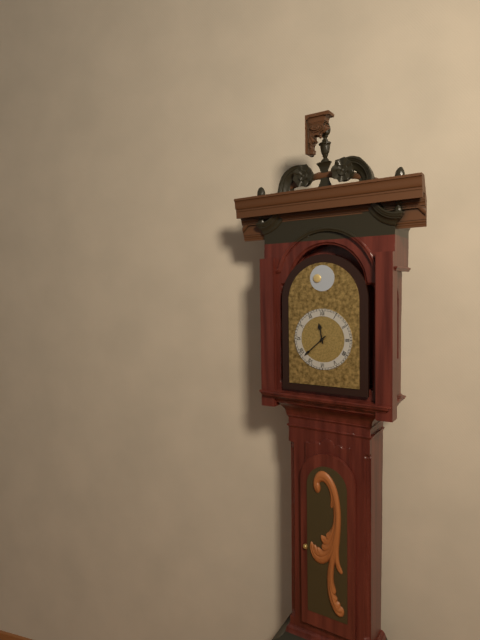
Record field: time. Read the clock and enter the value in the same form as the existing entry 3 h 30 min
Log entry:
11 h 38 min
